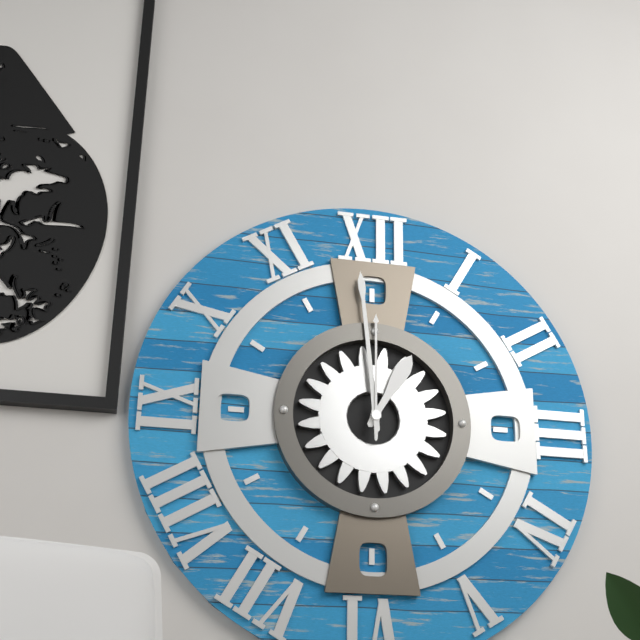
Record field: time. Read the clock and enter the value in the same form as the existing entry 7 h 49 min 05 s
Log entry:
12 h 59 min 00 s
